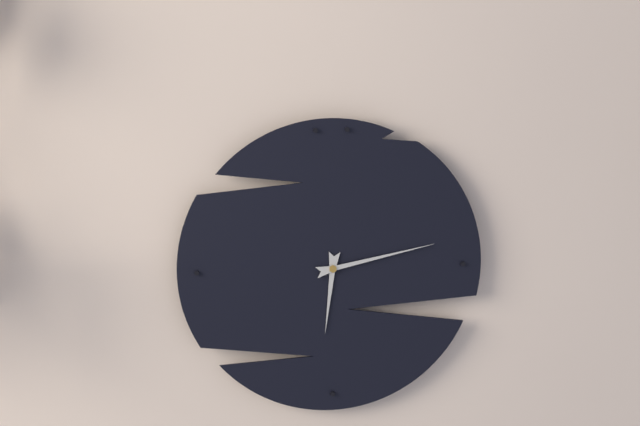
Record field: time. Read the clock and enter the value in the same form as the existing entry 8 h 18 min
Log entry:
6 h 13 min
